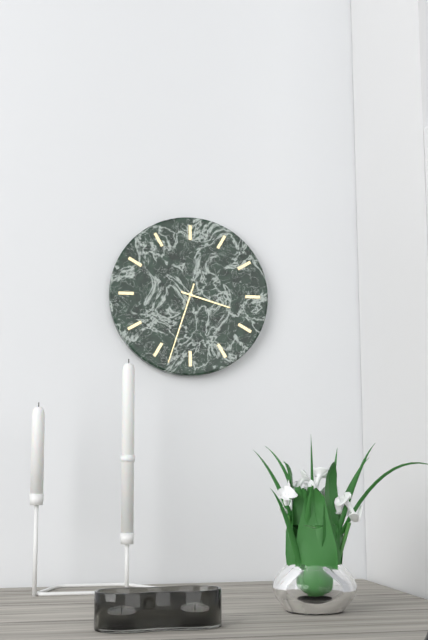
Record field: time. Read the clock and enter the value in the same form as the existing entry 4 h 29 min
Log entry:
3 h 33 min
